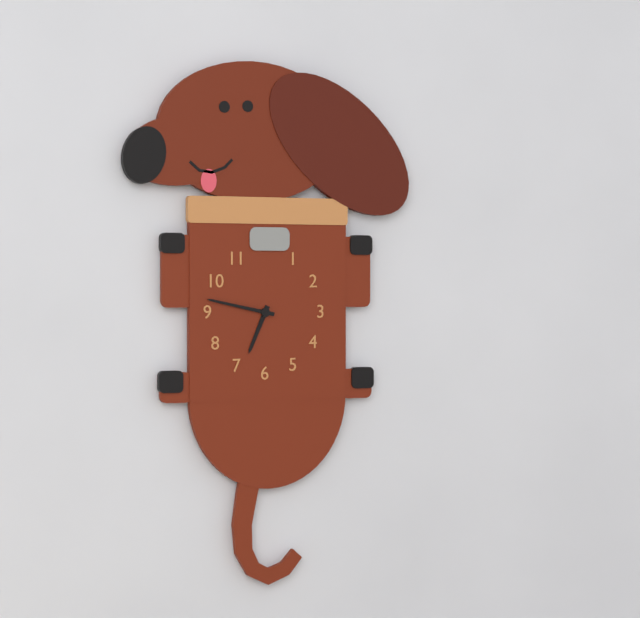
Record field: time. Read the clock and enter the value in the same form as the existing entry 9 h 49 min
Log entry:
6 h 47 min
